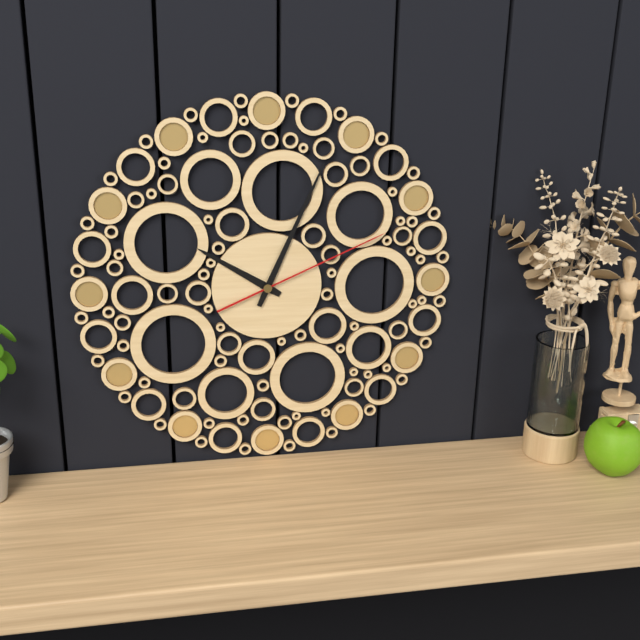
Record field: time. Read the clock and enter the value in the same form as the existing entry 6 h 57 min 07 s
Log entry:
10 h 04 min 11 s
